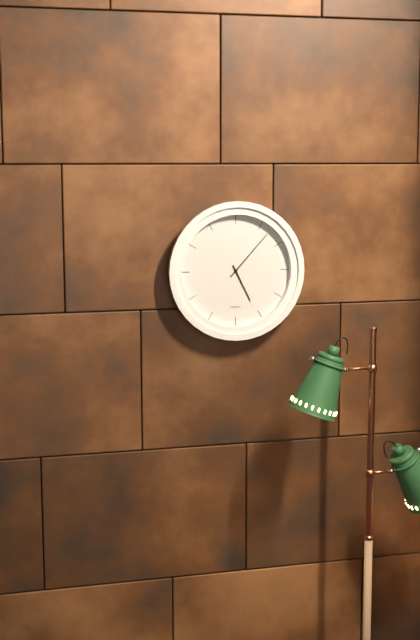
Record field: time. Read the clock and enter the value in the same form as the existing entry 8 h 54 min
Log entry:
5 h 07 min
